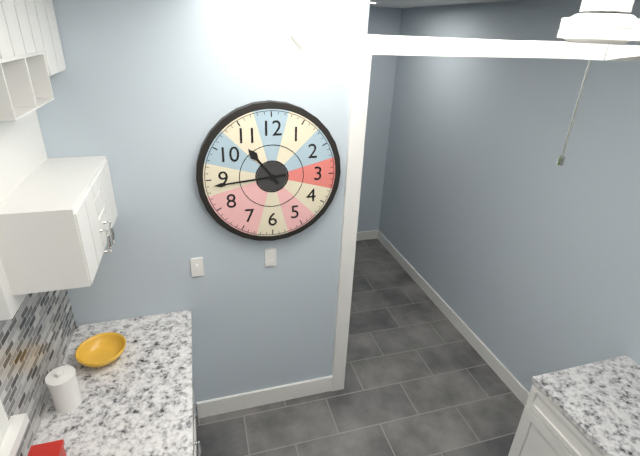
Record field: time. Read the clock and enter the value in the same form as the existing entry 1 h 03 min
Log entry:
10 h 44 min
